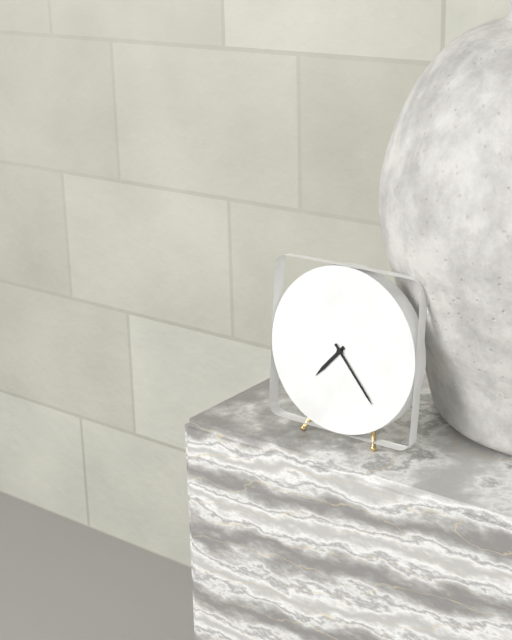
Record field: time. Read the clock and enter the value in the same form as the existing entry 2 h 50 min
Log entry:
7 h 23 min
